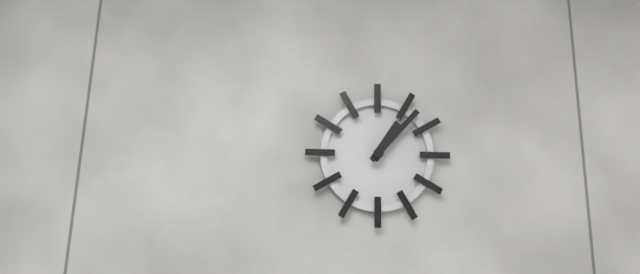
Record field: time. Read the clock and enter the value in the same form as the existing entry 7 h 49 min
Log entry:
1 h 07 min
